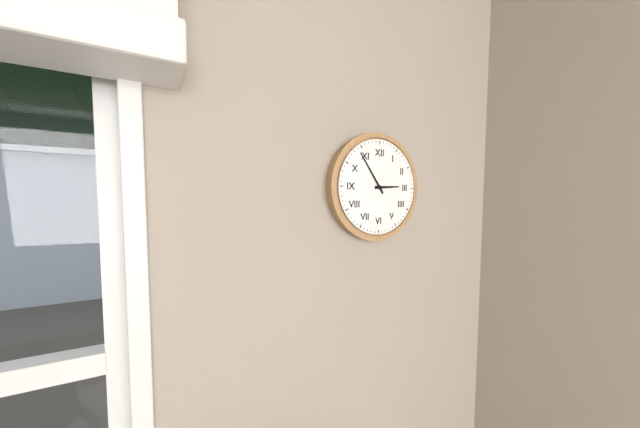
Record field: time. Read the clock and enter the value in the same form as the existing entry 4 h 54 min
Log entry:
2 h 54 min
